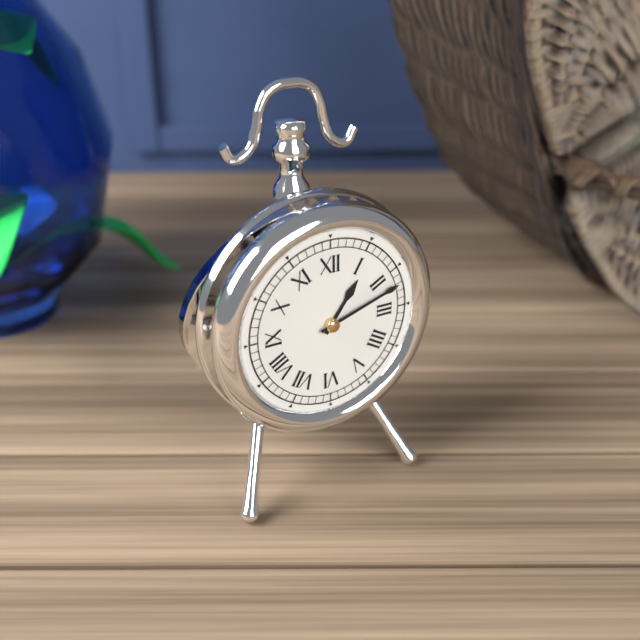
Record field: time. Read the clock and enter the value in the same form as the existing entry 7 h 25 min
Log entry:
1 h 12 min
